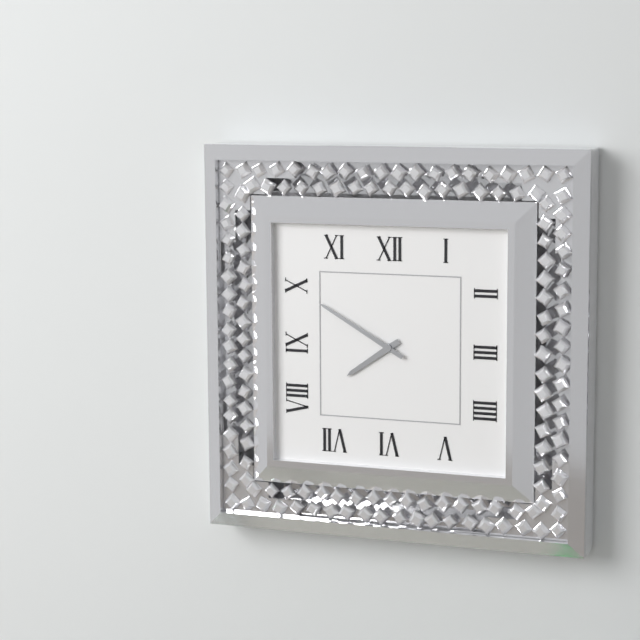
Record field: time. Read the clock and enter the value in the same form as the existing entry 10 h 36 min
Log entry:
7 h 50 min
